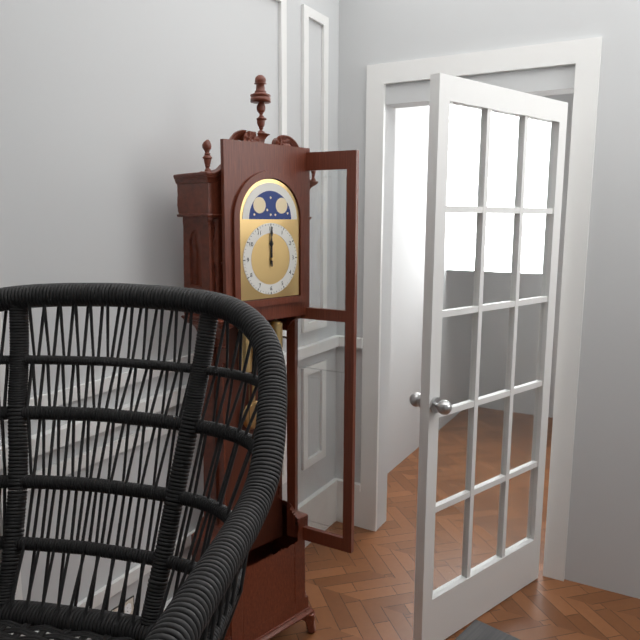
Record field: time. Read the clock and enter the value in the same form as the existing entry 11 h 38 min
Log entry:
12 h 00 min
